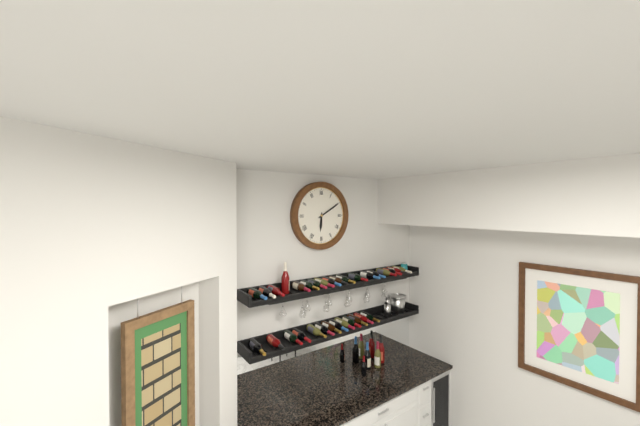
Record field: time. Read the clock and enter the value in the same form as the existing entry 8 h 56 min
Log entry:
6 h 10 min
